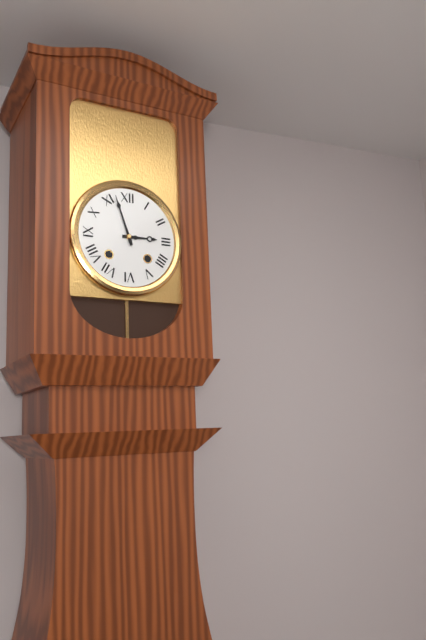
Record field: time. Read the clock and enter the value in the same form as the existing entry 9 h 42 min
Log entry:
2 h 57 min
